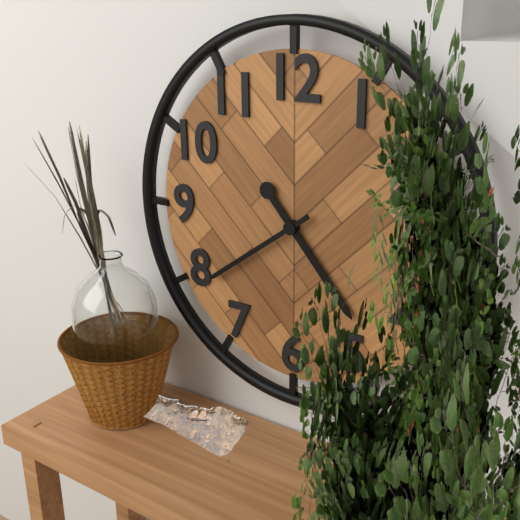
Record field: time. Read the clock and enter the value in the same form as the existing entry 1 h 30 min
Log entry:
4 h 39 min
